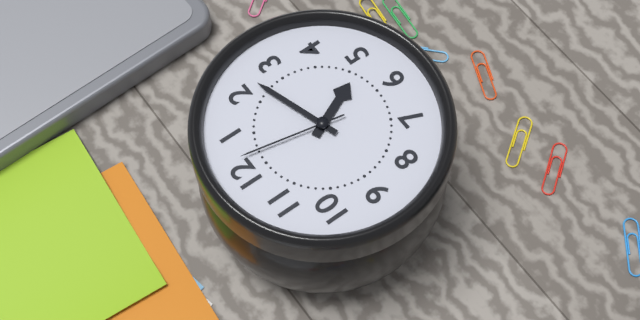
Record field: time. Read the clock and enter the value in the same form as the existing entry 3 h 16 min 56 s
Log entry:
5 h 12 min 02 s
